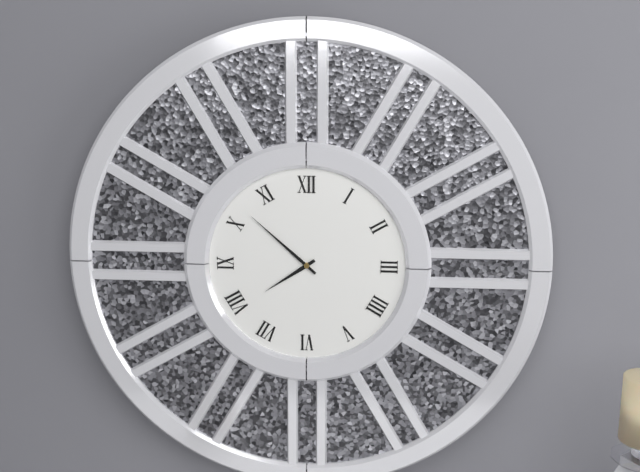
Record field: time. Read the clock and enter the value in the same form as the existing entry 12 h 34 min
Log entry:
7 h 52 min
